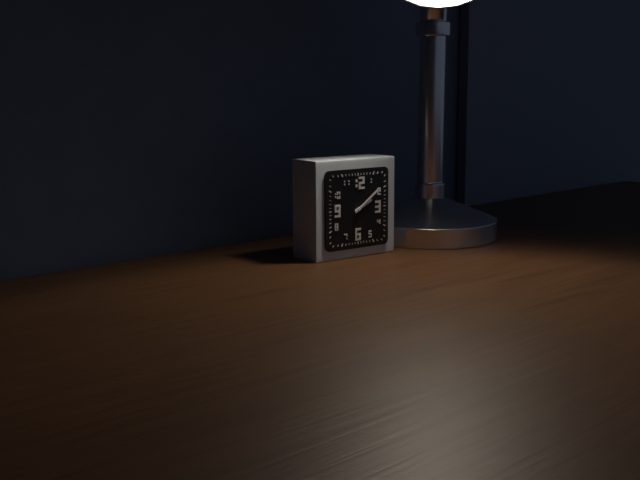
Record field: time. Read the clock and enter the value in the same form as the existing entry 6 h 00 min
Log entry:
2 h 09 min
